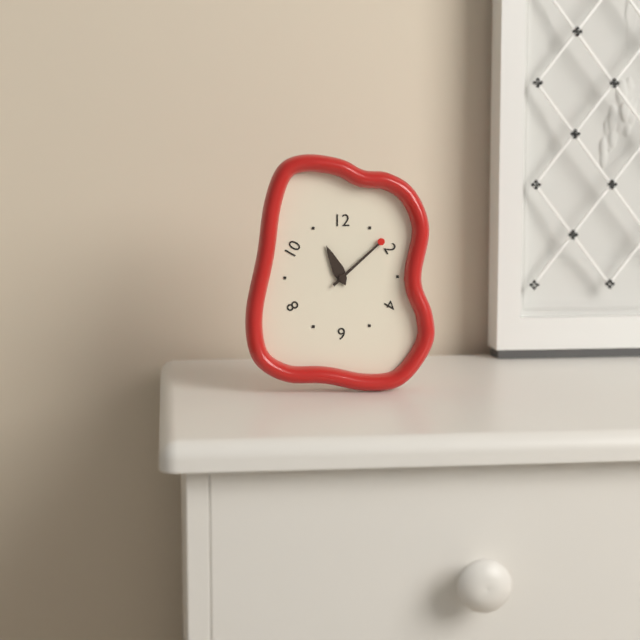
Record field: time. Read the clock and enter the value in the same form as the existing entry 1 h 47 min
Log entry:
11 h 08 min
